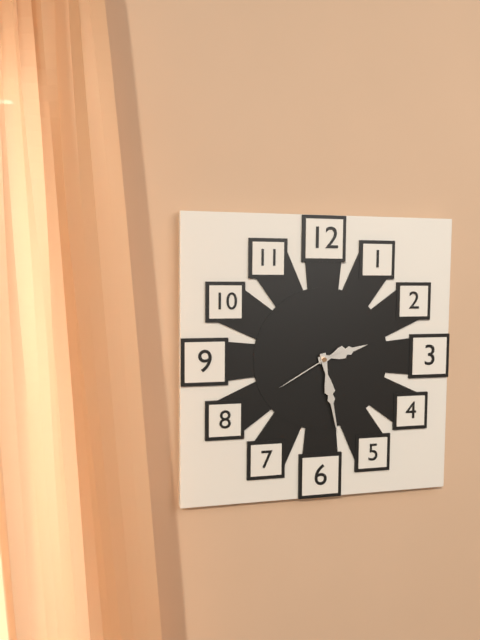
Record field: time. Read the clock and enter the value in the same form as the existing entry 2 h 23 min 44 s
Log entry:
2 h 28 min 40 s
